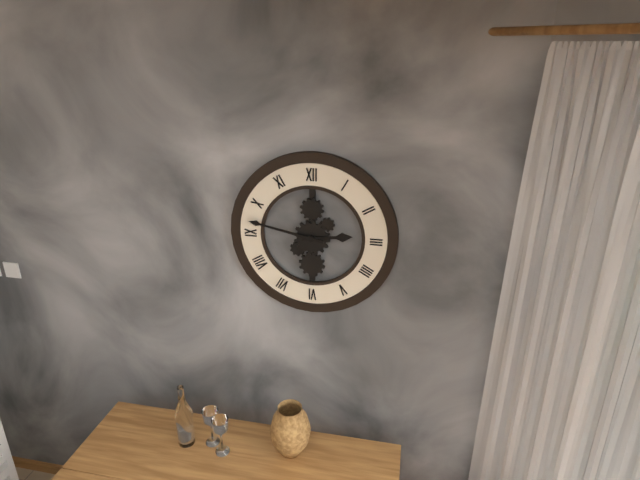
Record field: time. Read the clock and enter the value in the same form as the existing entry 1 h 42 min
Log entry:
2 h 47 min
